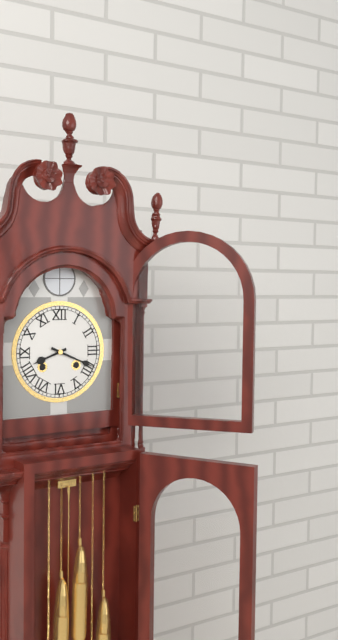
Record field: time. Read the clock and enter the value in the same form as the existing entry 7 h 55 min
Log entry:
8 h 19 min
